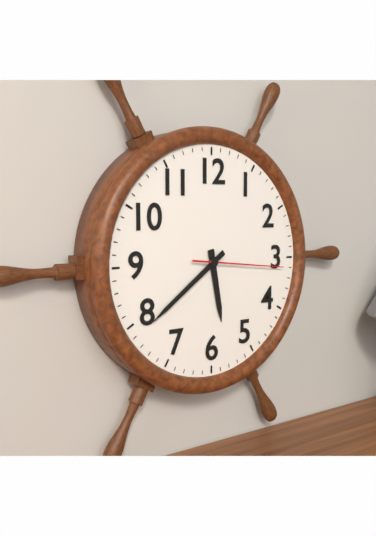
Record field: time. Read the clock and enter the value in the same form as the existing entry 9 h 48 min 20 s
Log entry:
5 h 39 min 16 s
